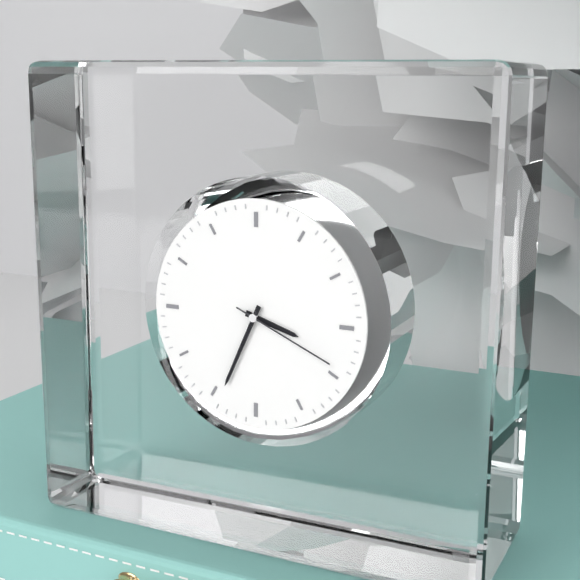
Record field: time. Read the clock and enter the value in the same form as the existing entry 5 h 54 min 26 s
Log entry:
3 h 34 min 19 s
